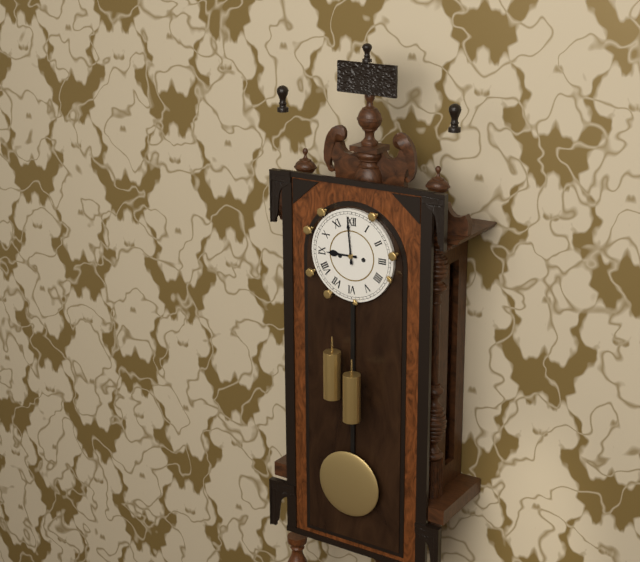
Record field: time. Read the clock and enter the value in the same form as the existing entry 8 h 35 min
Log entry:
8 h 59 min
